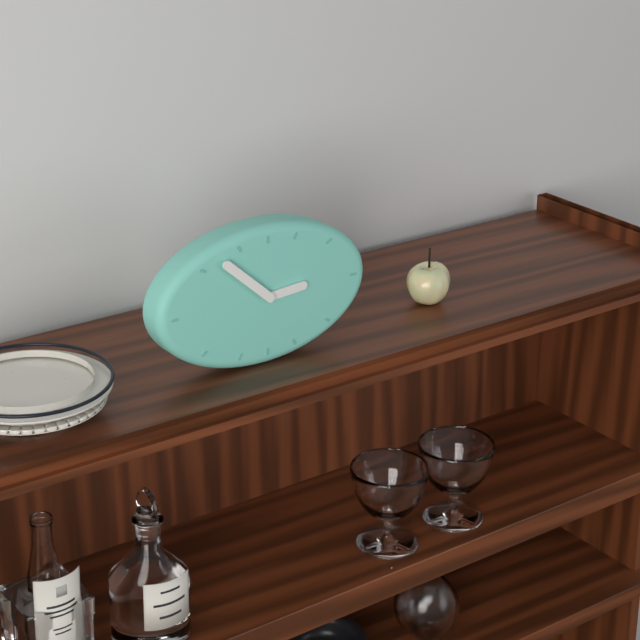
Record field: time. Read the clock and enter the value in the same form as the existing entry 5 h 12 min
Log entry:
2 h 52 min
